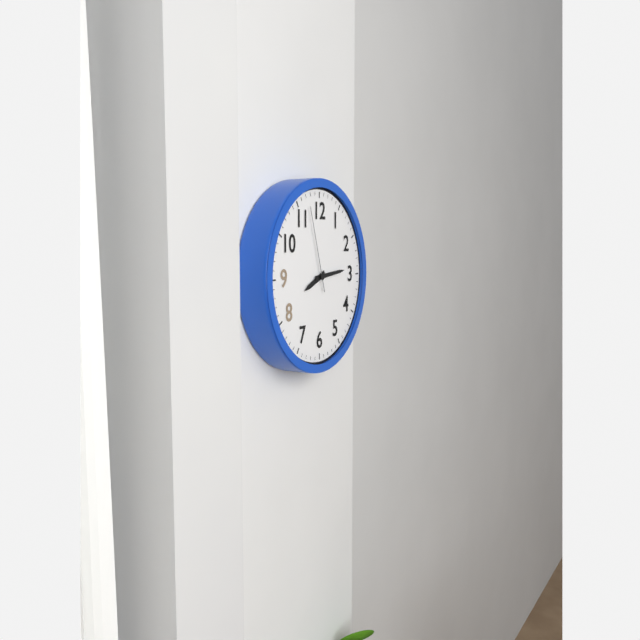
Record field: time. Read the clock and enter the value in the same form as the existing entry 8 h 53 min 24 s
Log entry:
8 h 14 min 57 s
